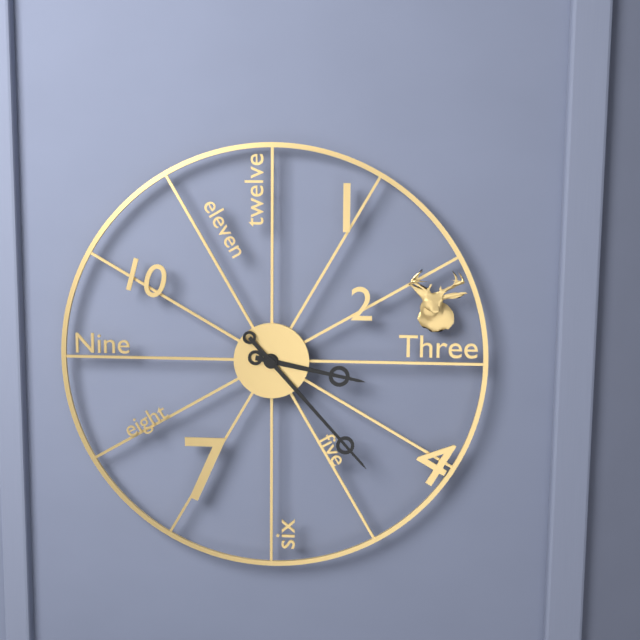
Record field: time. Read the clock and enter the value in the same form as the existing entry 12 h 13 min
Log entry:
3 h 23 min
